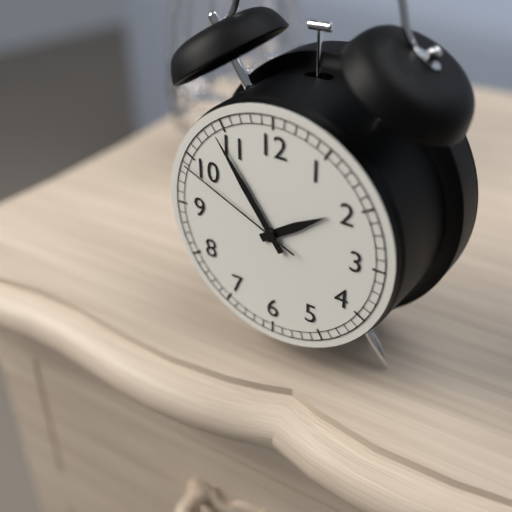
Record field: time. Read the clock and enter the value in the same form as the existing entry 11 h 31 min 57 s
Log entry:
1 h 54 min 49 s
